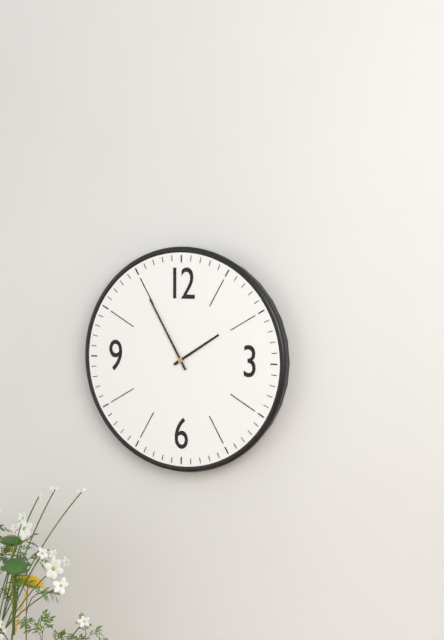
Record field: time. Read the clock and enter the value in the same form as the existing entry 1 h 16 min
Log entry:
1 h 55 min
